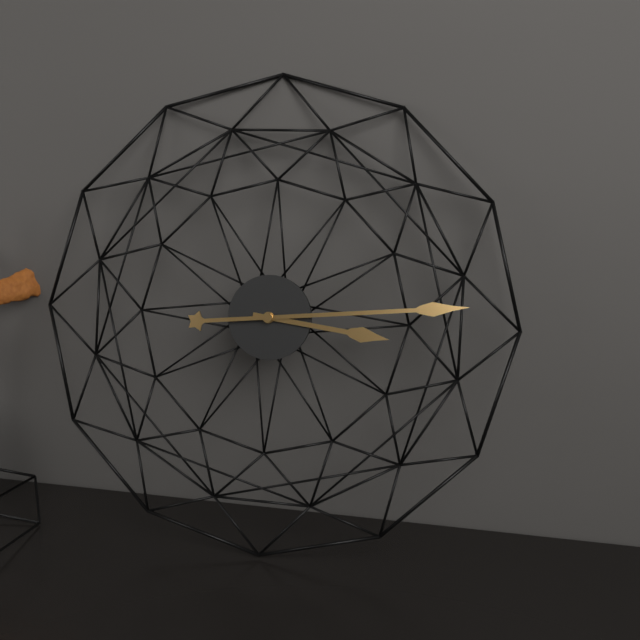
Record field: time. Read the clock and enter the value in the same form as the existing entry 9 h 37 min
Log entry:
3 h 14 min
